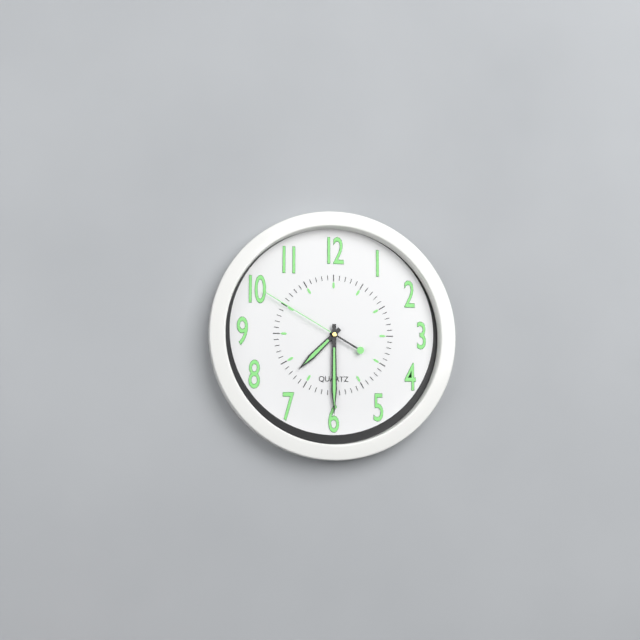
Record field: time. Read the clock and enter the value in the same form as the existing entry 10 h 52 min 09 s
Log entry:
7 h 30 min 50 s
